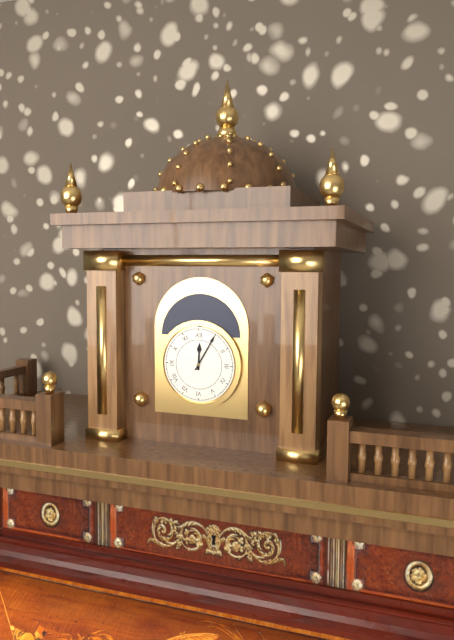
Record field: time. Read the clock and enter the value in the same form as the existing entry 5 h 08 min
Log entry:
12 h 05 min
